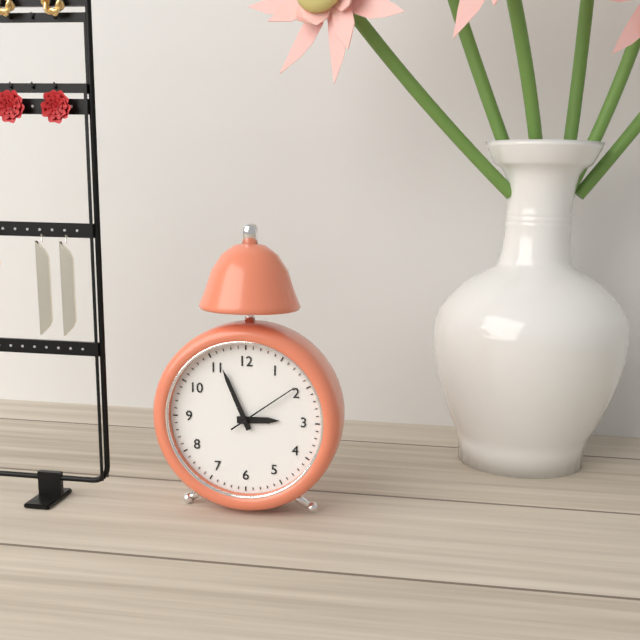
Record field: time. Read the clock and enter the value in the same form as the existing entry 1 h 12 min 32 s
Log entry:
2 h 56 min 09 s
